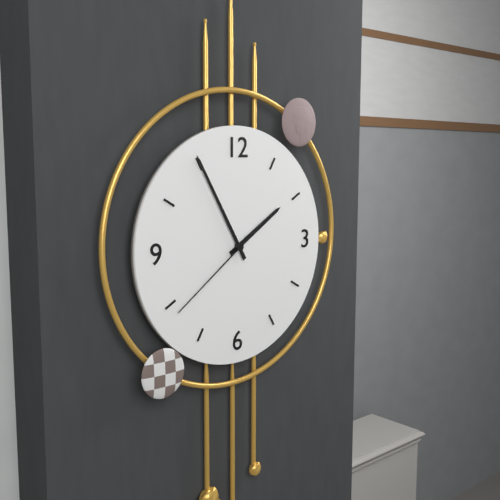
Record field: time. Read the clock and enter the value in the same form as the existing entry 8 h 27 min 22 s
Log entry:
1 h 55 min 39 s
